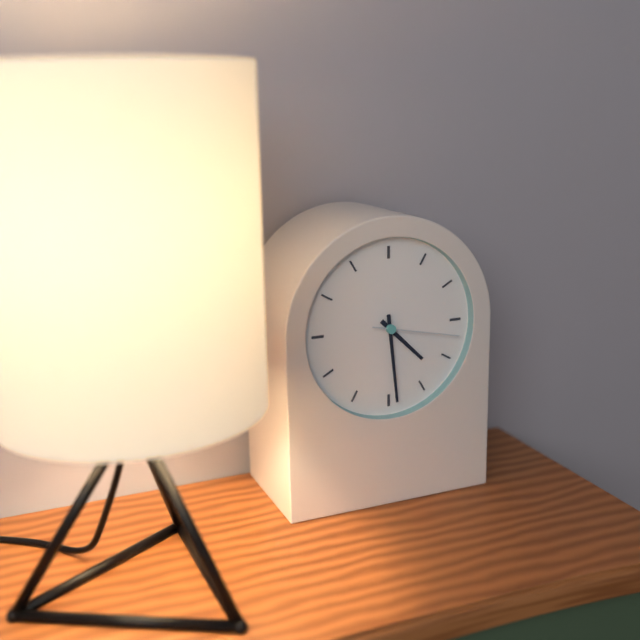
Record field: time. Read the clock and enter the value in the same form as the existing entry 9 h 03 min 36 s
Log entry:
4 h 29 min 17 s
